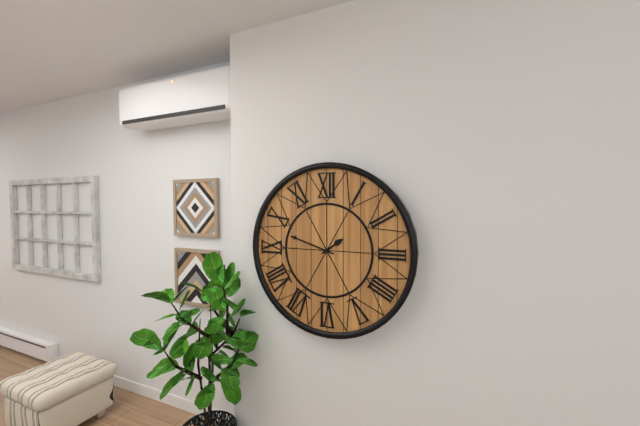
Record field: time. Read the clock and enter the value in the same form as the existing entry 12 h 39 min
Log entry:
1 h 48 min
